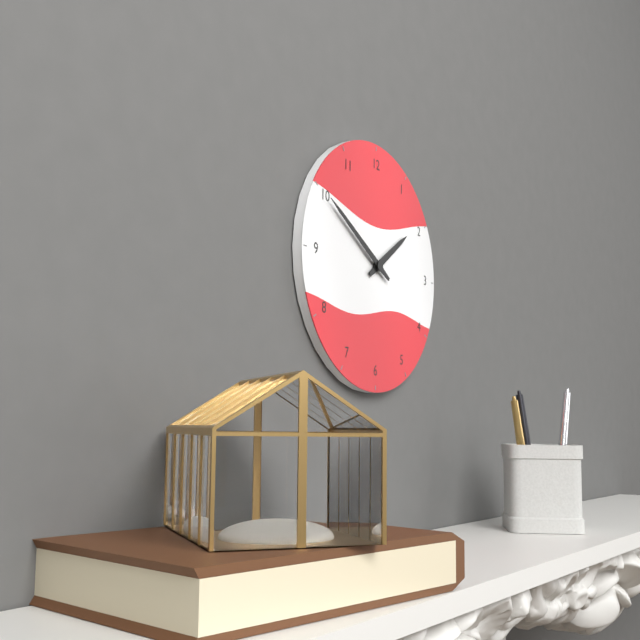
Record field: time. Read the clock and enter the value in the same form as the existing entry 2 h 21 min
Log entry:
1 h 50 min
